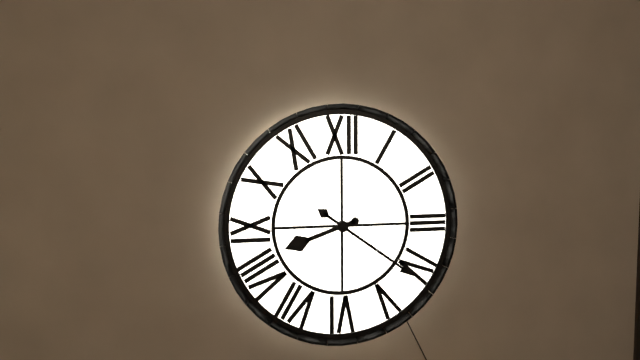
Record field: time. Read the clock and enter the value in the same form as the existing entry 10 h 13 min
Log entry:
8 h 21 min
